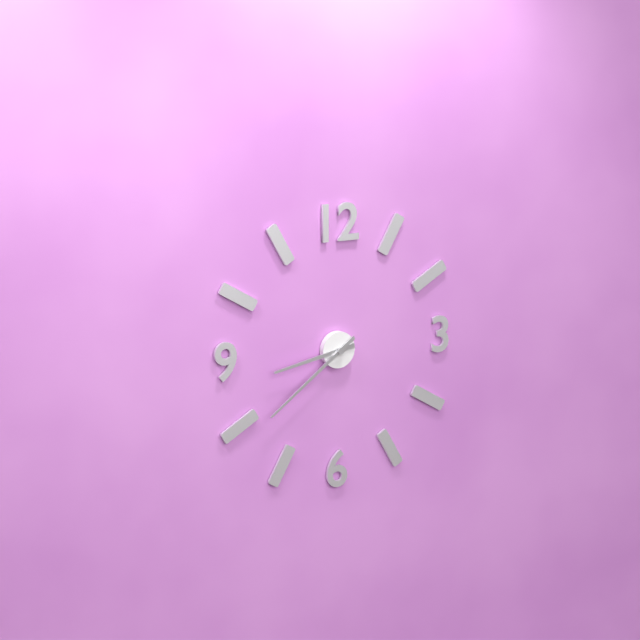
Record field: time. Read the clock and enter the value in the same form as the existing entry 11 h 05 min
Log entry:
8 h 39 min
